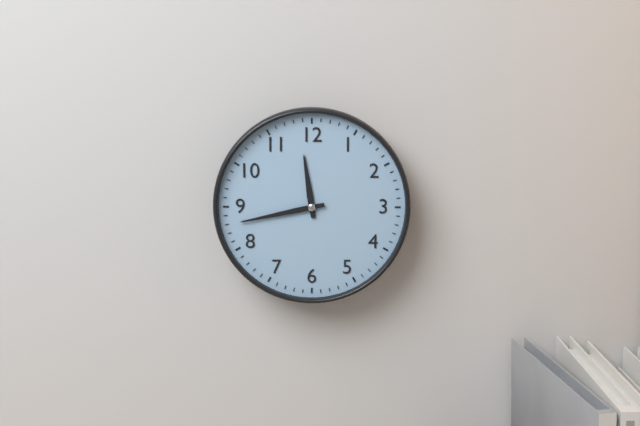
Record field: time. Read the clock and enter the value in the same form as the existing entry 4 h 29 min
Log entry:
11 h 43 min
